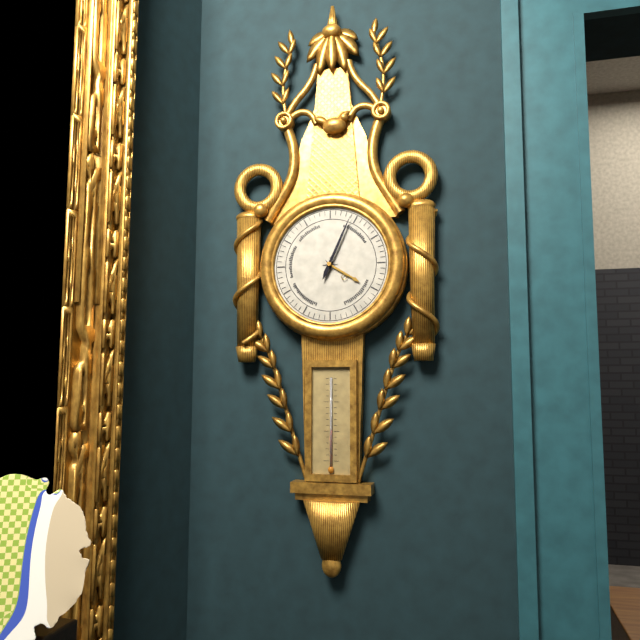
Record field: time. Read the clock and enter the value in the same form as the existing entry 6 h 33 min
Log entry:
4 h 04 min
